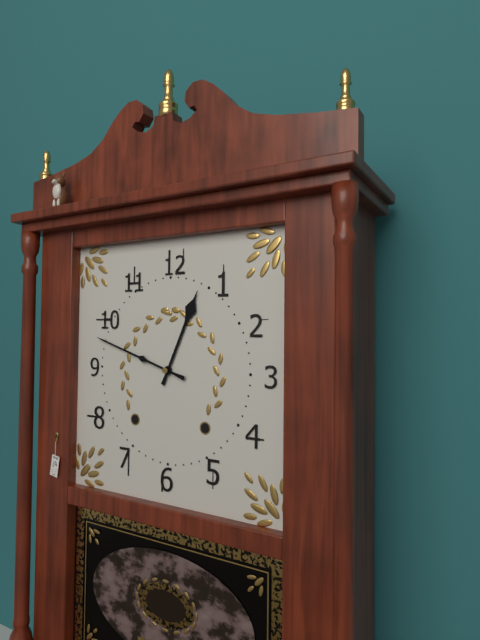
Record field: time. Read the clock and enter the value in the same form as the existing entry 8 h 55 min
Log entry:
12 h 48 min
